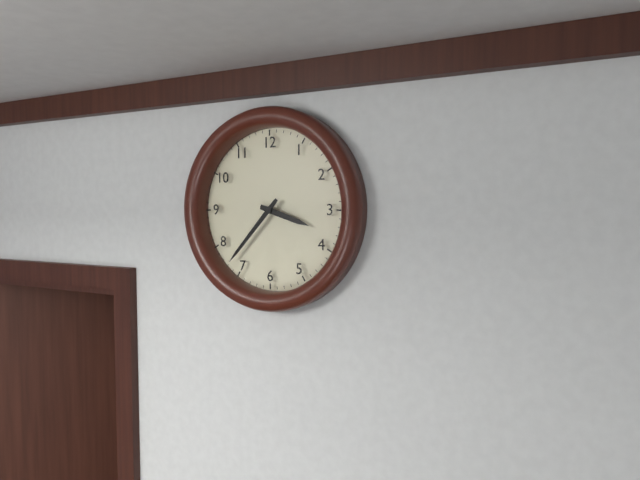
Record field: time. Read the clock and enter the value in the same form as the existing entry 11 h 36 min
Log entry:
3 h 37 min
